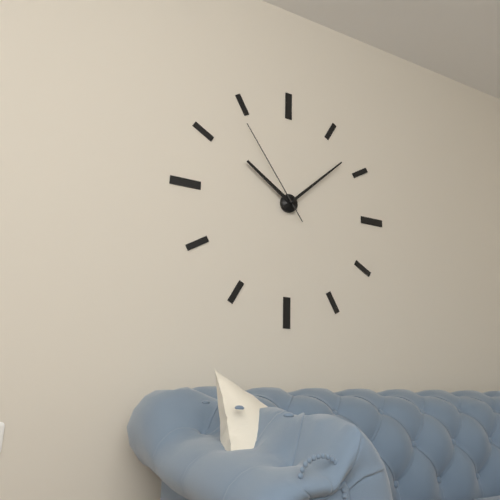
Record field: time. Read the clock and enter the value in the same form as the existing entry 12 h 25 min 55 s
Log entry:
10 h 08 min 54 s
